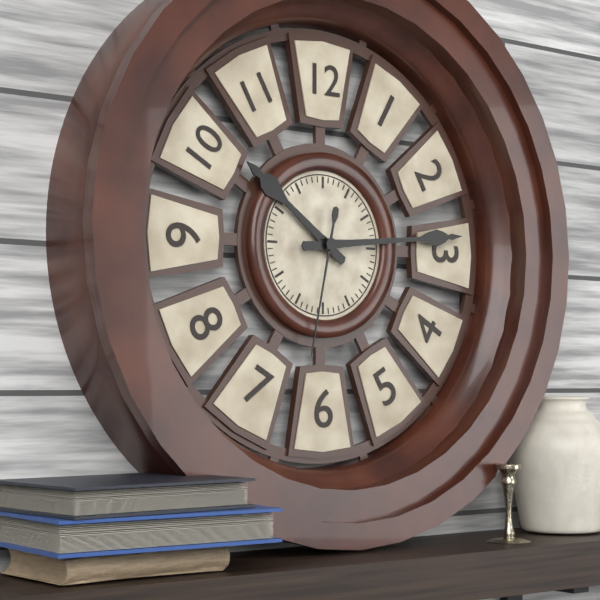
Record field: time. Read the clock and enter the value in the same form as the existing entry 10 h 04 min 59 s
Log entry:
10 h 14 min 32 s
